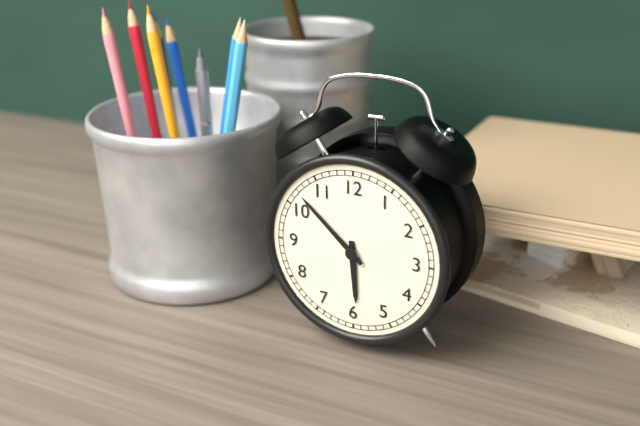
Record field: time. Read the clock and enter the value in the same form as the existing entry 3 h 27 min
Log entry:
5 h 52 min
